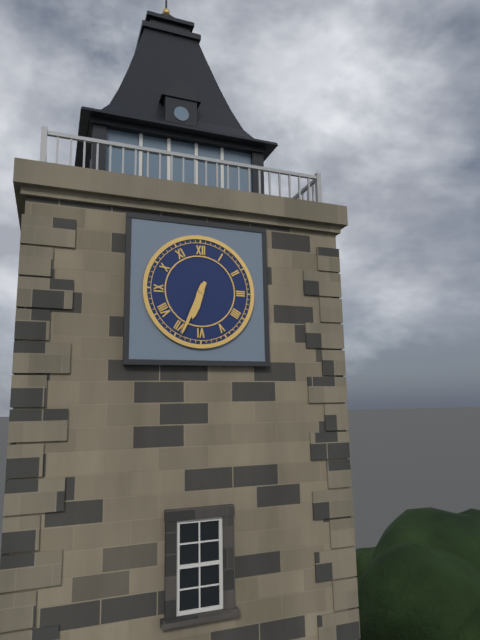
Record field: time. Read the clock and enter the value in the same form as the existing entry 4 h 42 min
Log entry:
6 h 34 min
